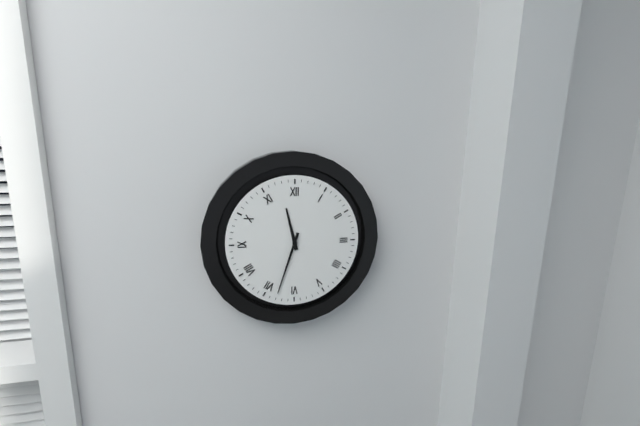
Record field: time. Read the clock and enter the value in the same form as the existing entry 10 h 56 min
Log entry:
11 h 33 min
